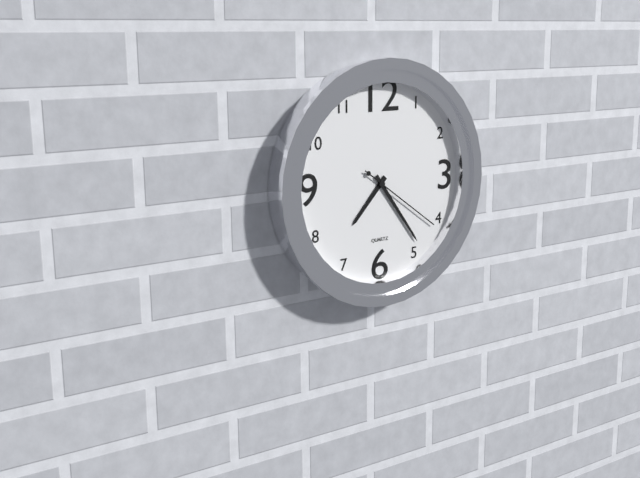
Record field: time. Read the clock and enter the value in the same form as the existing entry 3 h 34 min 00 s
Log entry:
7 h 24 min 21 s
